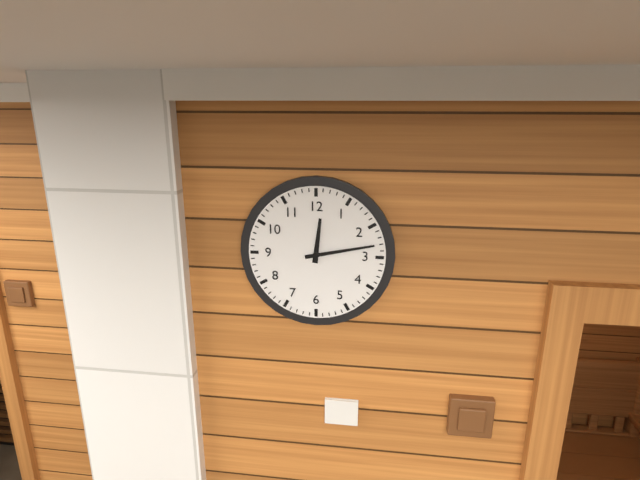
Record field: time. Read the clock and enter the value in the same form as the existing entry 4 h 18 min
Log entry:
12 h 13 min
